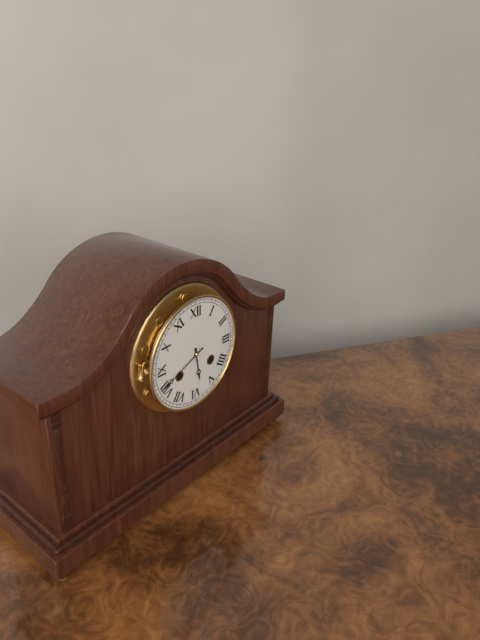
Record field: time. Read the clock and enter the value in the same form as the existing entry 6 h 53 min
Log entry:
5 h 41 min
